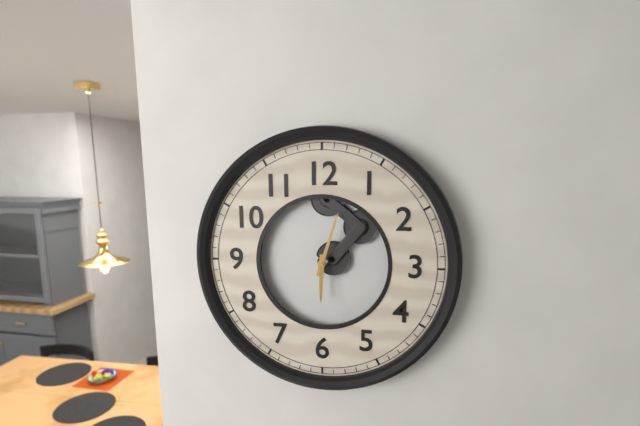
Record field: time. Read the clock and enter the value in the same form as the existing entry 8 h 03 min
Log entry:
6 h 03 min
